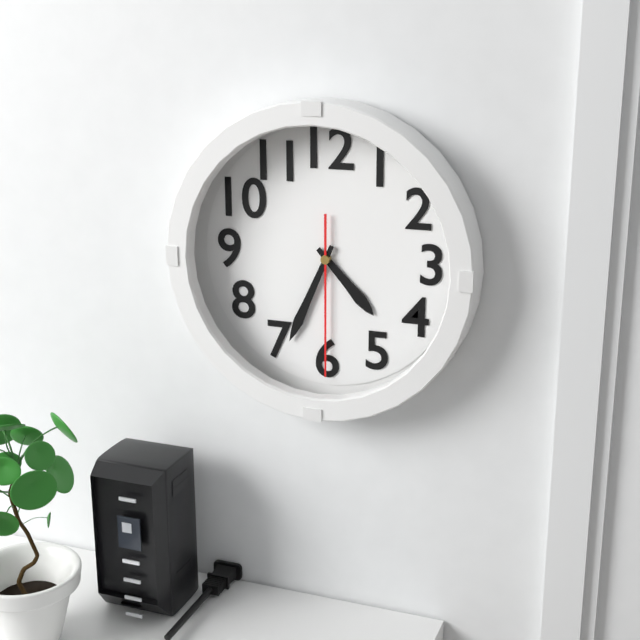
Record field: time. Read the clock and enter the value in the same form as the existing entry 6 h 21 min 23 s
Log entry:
4 h 34 min 30 s
